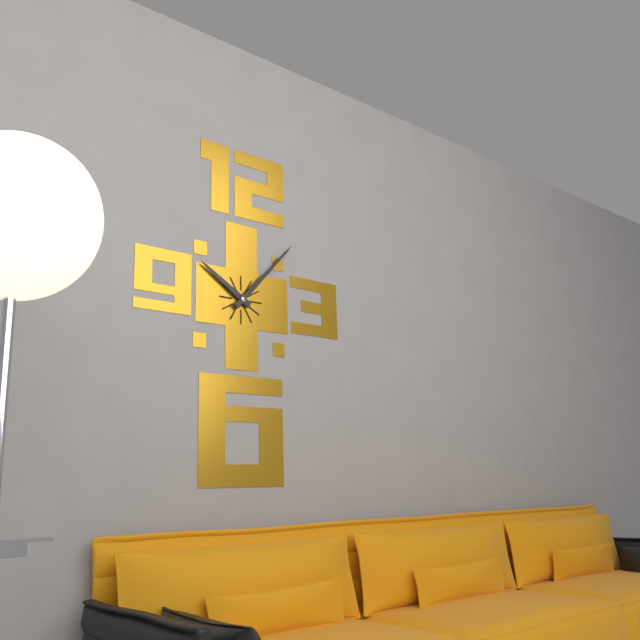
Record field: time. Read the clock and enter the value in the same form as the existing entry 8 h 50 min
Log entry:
10 h 07 min
